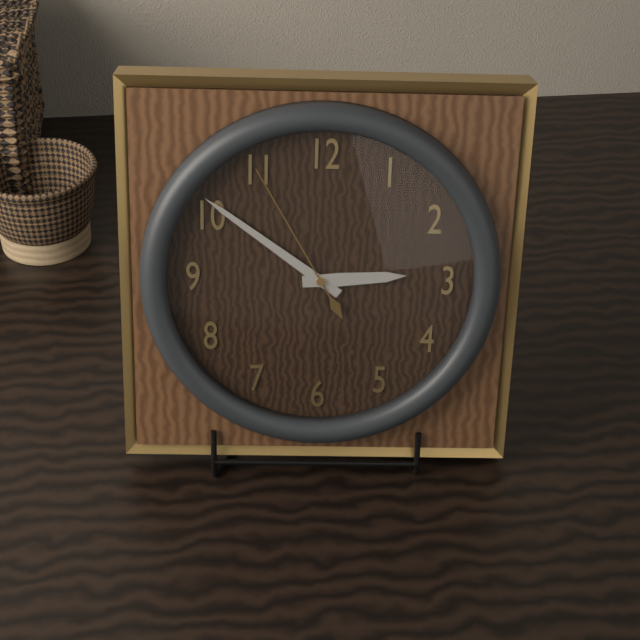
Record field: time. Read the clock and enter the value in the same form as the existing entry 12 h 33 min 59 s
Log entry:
2 h 51 min 55 s
